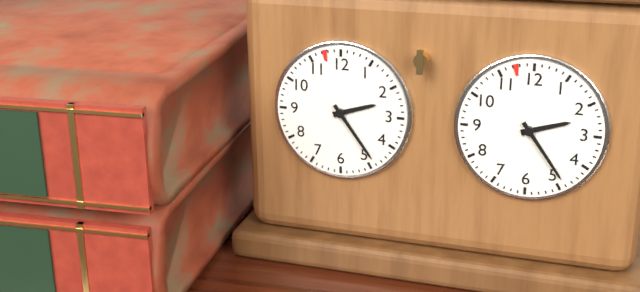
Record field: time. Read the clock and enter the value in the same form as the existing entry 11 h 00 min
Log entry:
2 h 24 min
